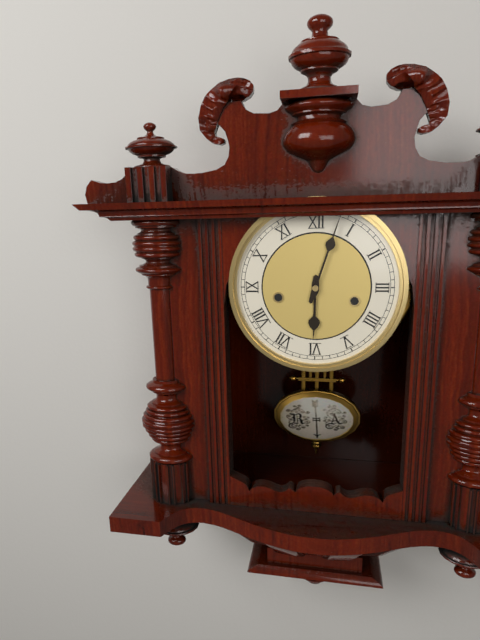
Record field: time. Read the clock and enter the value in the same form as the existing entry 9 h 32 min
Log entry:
6 h 03 min
